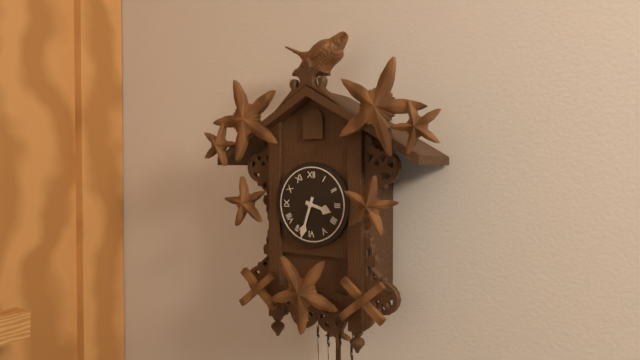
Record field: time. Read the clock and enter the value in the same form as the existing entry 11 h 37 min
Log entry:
3 h 33 min
